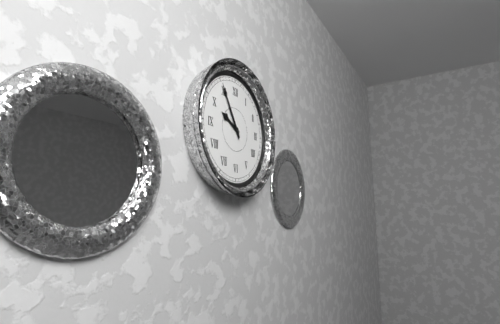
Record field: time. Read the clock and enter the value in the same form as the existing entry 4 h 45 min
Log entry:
9 h 55 min
